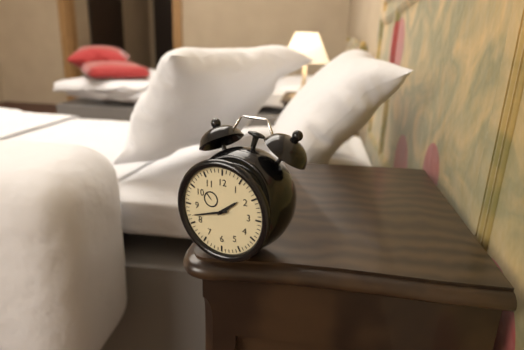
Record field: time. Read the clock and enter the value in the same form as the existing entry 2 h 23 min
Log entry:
1 h 42 min
